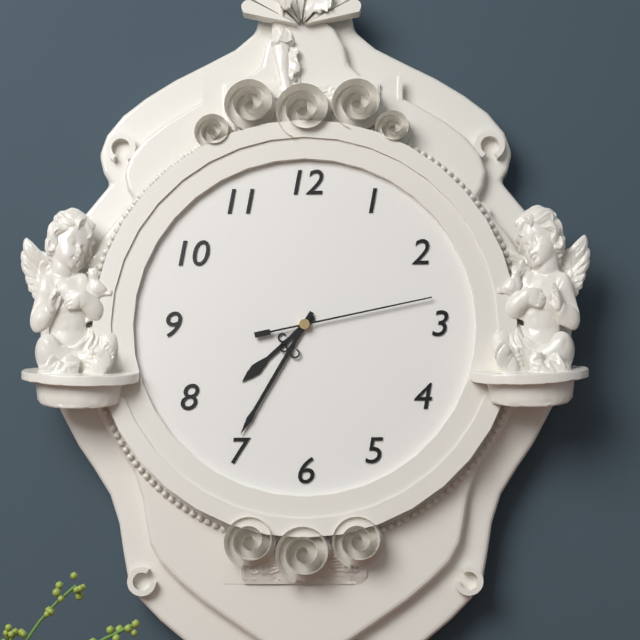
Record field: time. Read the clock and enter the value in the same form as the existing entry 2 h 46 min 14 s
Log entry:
7 h 35 min 13 s
